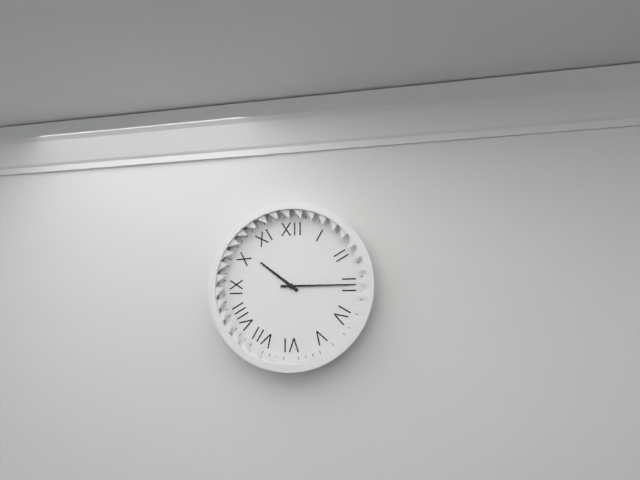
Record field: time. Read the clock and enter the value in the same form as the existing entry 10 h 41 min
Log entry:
10 h 15 min
